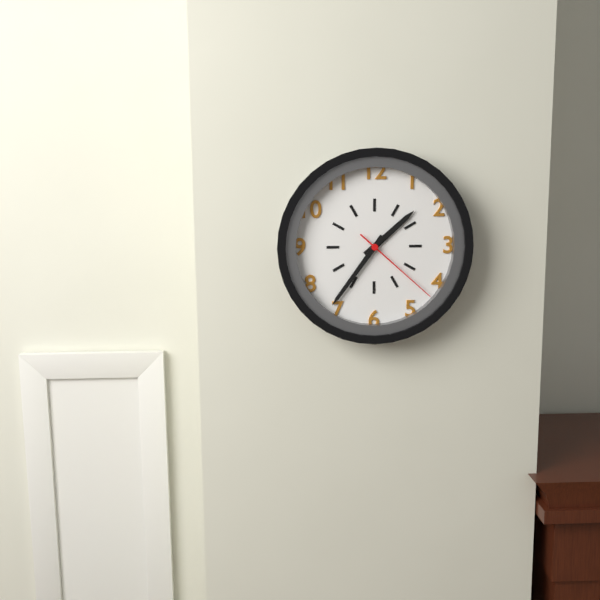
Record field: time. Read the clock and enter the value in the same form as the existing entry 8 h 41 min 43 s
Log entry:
1 h 36 min 22 s
